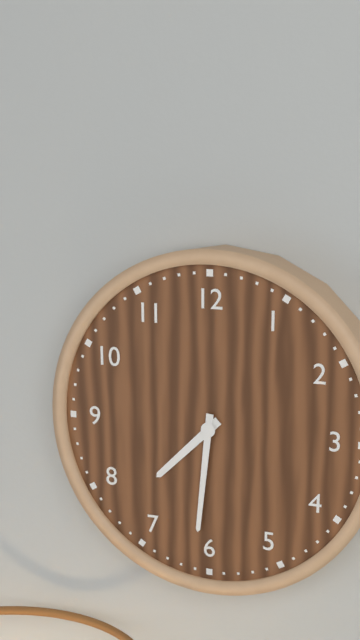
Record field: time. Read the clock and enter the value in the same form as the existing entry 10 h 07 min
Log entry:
7 h 31 min
